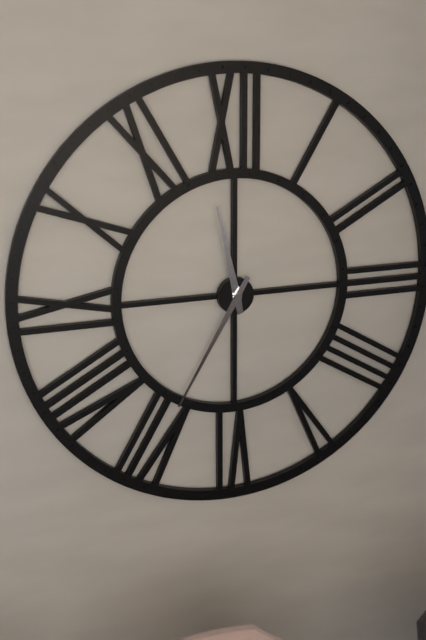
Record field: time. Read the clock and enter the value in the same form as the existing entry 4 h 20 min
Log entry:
11 h 35 min
